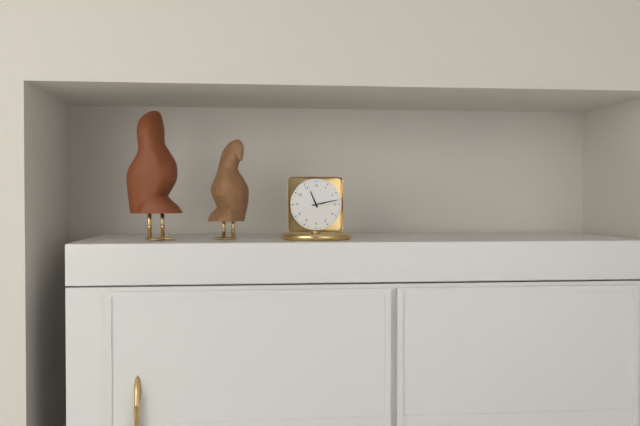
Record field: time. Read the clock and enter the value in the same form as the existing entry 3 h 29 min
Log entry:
11 h 13 min
